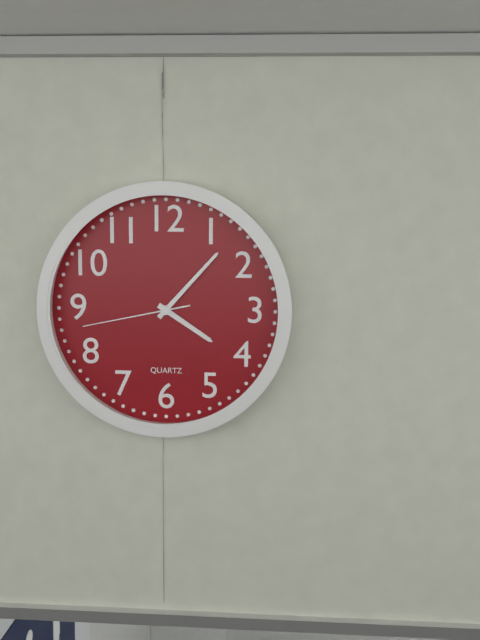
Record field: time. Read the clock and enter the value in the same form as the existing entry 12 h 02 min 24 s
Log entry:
4 h 07 min 43 s
